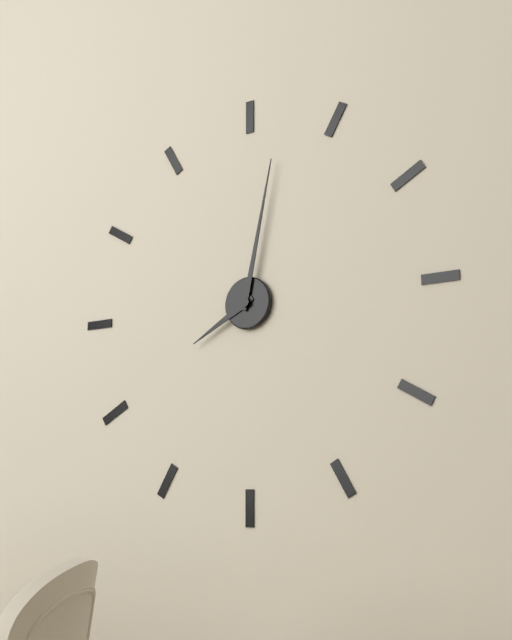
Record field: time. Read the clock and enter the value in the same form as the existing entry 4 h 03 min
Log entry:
8 h 02 min
